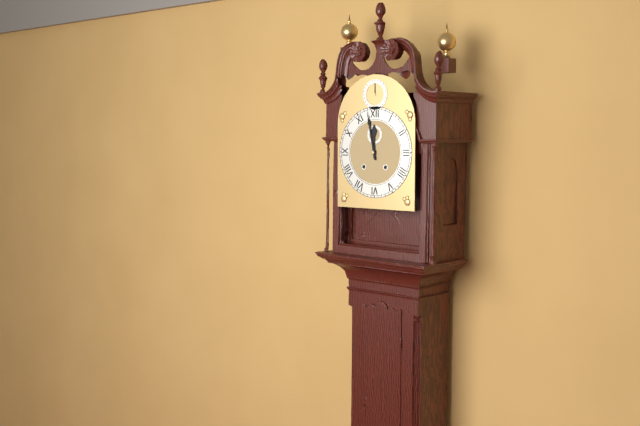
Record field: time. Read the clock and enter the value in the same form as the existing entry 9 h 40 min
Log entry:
11 h 58 min
